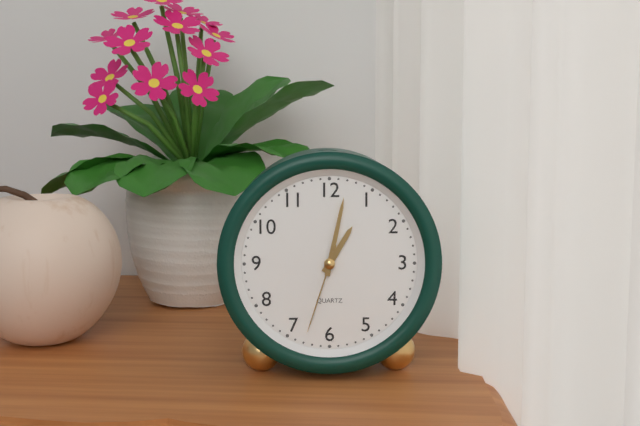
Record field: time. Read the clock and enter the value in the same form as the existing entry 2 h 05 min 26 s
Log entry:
1 h 02 min 33 s
